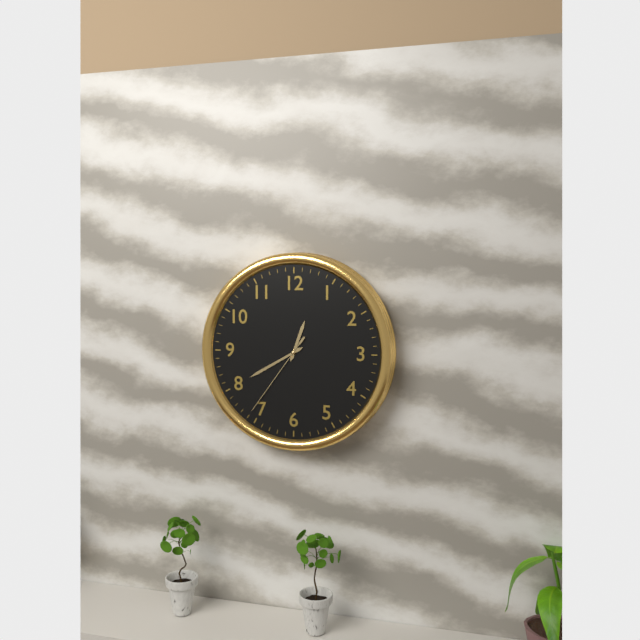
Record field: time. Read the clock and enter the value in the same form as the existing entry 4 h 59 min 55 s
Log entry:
12 h 40 min 36 s
